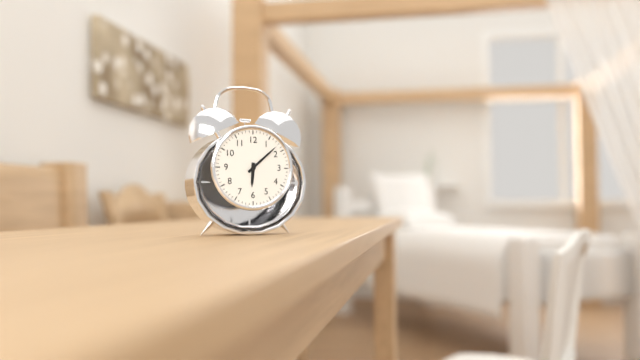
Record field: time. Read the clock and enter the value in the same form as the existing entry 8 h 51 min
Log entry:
6 h 08 min
